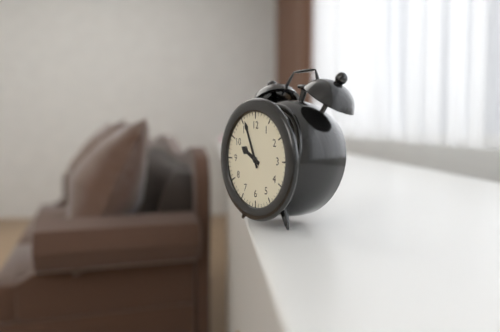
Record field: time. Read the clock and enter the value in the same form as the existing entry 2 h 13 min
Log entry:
9 h 56 min
